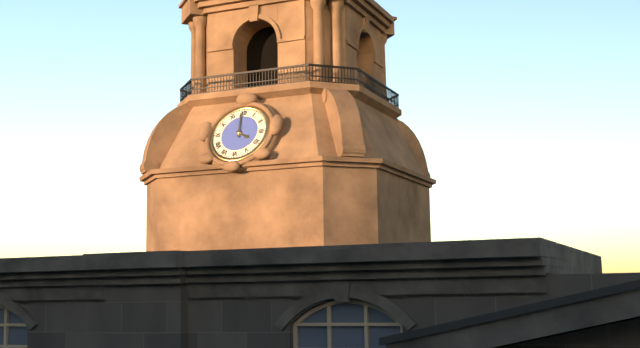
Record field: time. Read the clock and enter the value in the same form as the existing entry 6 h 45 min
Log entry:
3 h 59 min
